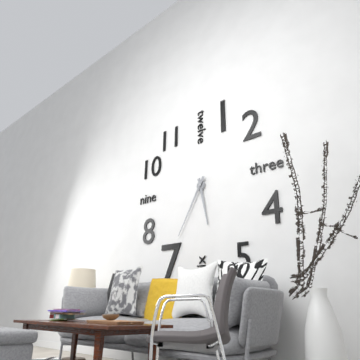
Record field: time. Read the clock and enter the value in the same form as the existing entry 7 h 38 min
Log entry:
5 h 35 min
